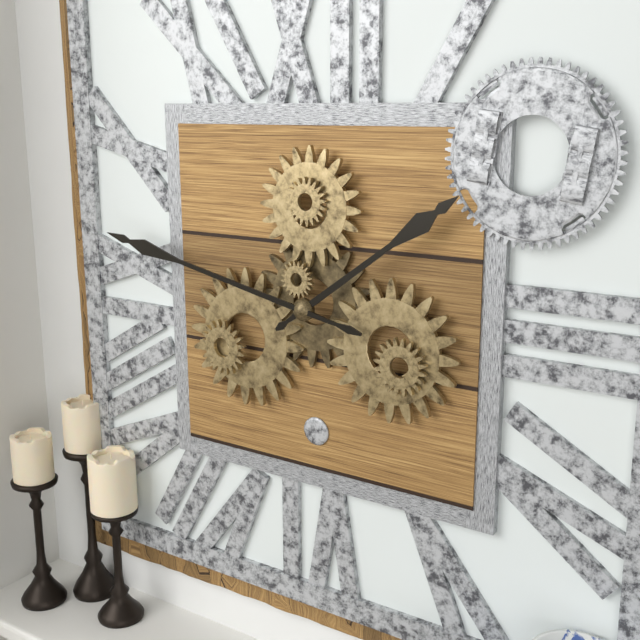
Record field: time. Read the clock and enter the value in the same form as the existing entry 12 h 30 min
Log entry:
1 h 47 min
